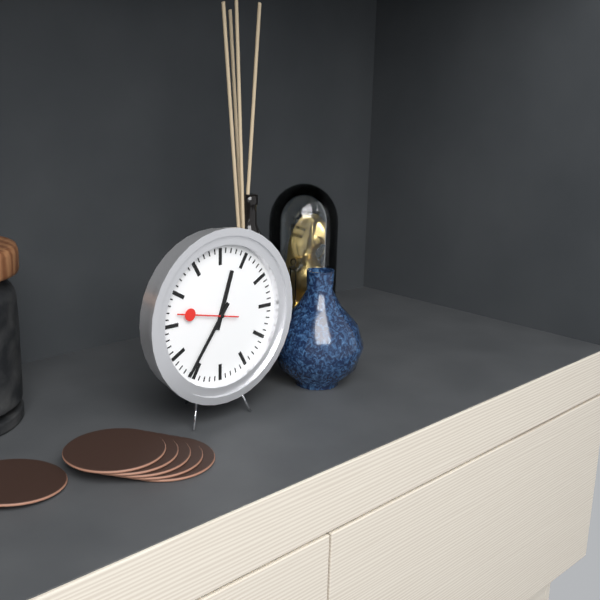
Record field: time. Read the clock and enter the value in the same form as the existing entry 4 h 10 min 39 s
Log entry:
12 h 36 min 47 s
